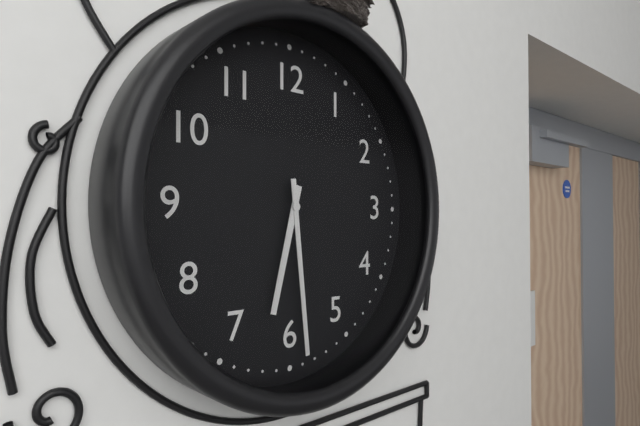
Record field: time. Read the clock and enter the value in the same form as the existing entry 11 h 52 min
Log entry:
6 h 29 min
